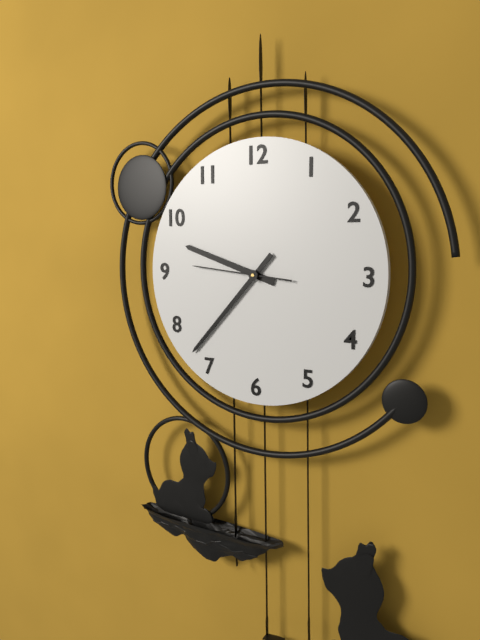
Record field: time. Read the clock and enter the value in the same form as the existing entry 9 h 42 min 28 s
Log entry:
9 h 37 min 46 s
